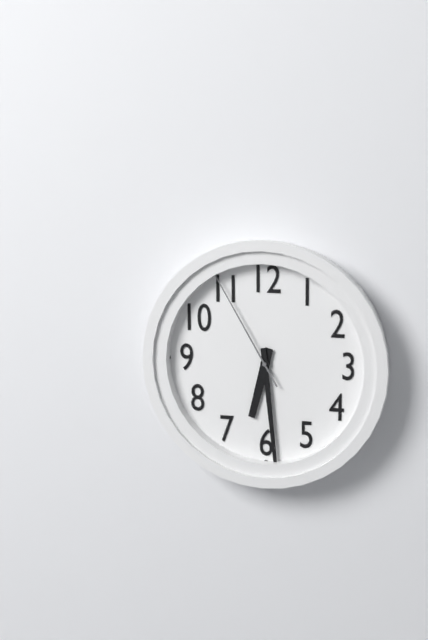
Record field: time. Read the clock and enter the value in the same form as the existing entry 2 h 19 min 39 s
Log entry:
6 h 29 min 55 s
